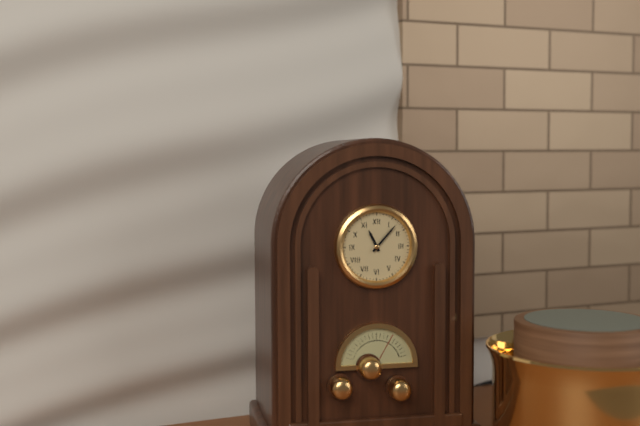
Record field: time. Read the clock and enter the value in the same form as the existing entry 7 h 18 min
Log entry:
11 h 07 min
